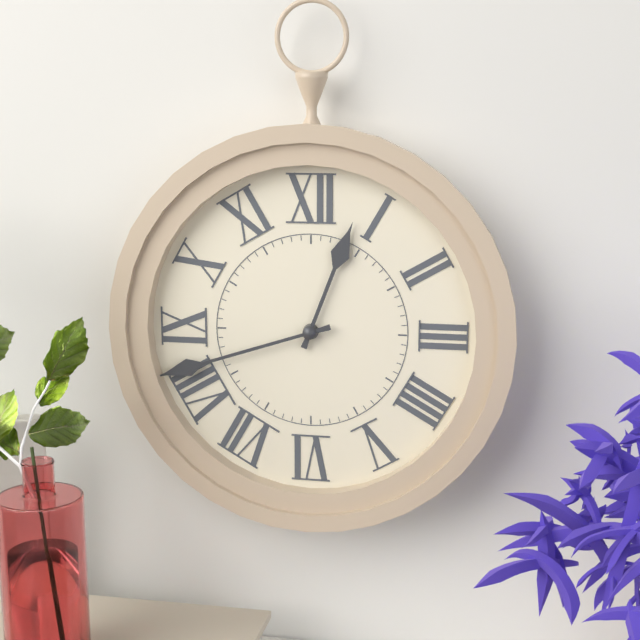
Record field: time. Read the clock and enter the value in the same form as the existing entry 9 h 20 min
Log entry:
12 h 42 min
